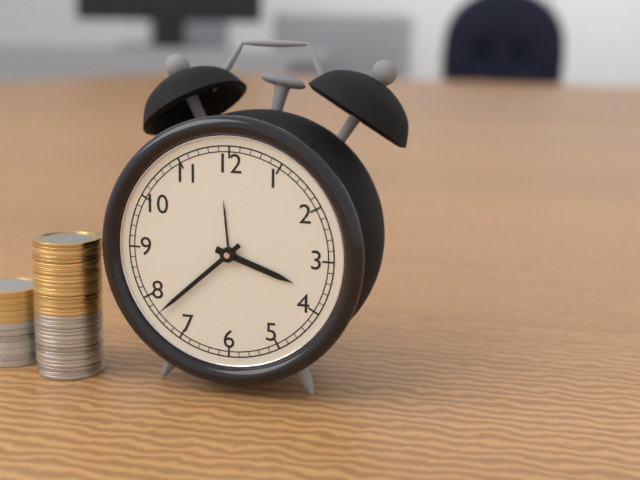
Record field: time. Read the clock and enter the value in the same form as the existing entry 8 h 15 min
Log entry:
3 h 38 min
